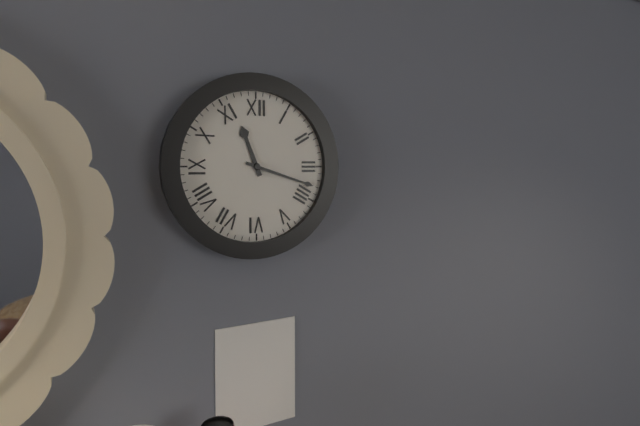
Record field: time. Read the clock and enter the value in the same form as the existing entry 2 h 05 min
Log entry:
11 h 18 min
